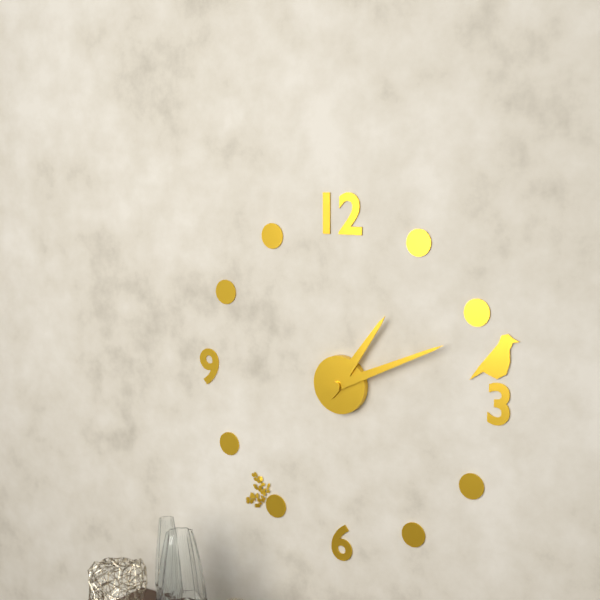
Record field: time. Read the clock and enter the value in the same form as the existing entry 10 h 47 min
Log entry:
1 h 11 min
